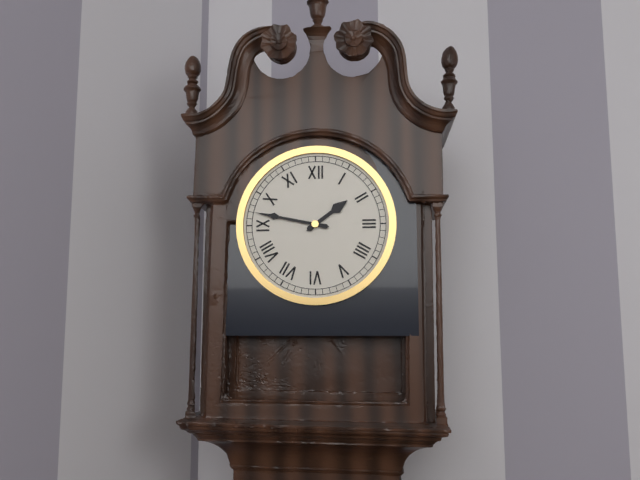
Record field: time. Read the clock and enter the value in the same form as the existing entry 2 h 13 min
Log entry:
1 h 47 min
